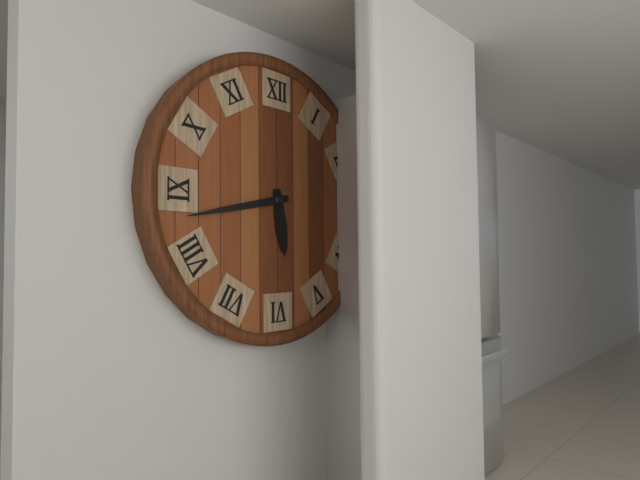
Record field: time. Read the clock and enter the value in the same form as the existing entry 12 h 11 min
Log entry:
5 h 43 min
